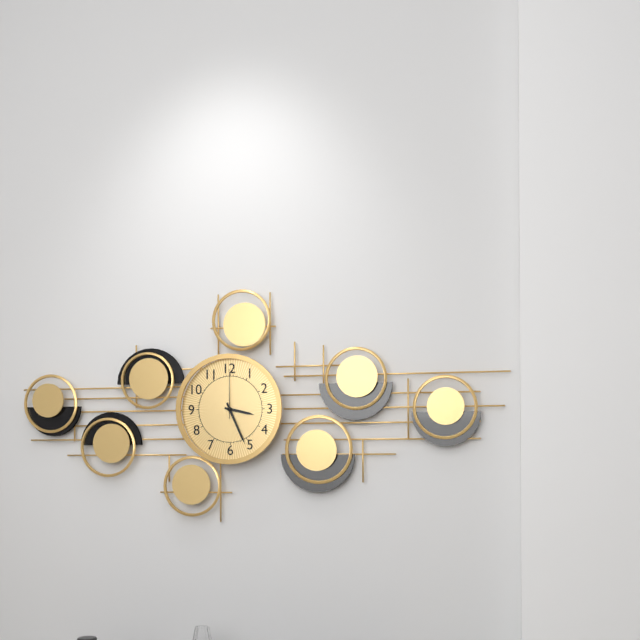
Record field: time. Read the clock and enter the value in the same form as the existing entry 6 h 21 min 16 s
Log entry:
3 h 26 min 00 s
